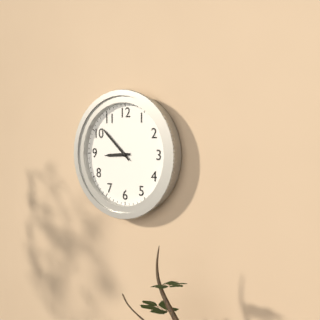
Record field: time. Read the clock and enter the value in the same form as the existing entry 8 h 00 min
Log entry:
8 h 52 min
